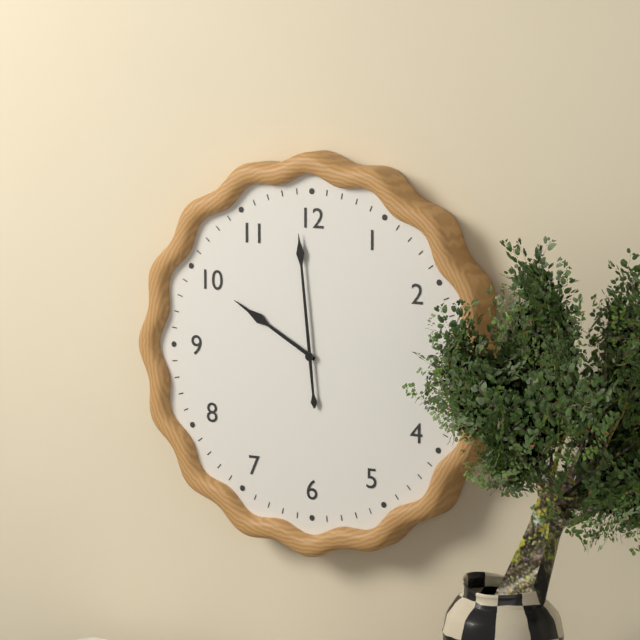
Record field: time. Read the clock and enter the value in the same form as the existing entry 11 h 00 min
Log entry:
9 h 59 min
